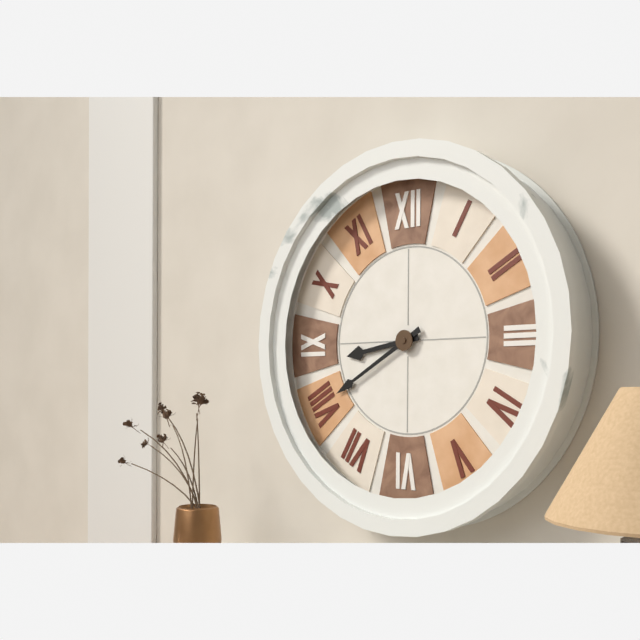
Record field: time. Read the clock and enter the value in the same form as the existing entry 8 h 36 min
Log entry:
8 h 40 min
